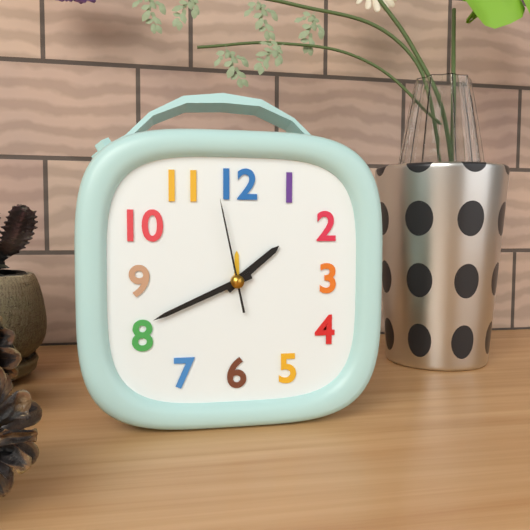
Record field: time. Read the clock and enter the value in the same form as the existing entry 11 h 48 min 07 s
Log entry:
1 h 41 min 58 s
